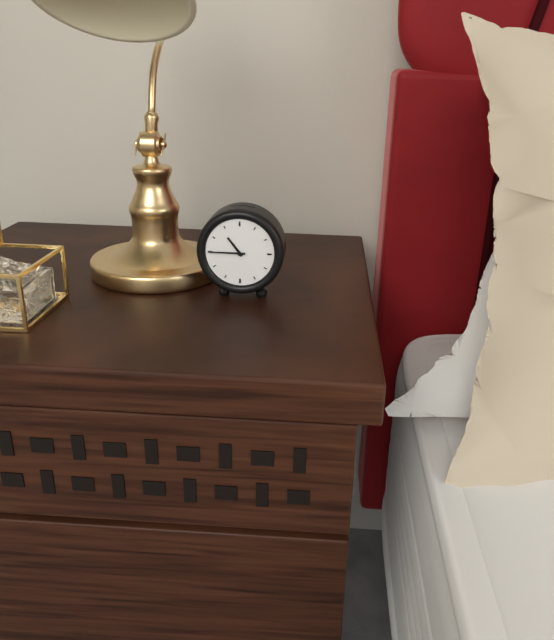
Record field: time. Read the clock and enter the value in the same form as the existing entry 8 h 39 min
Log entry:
10 h 45 min
